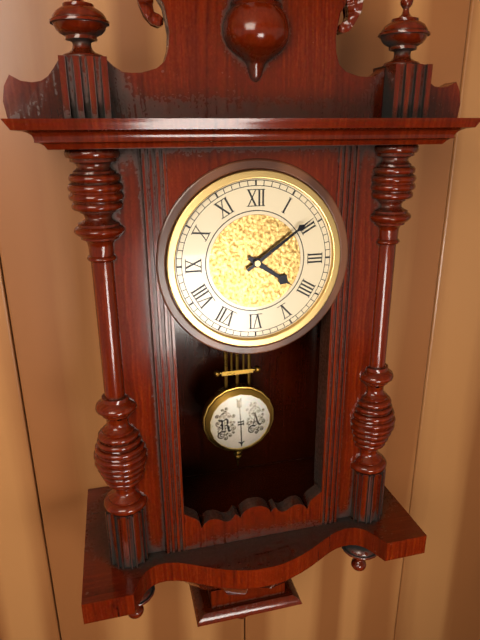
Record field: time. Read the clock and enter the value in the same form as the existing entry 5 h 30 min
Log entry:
4 h 09 min
